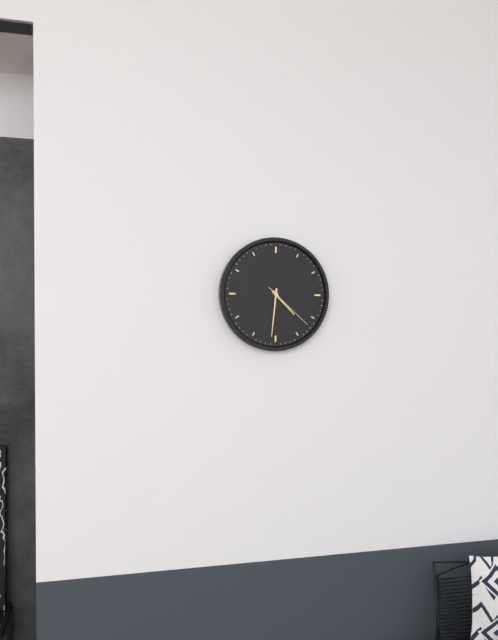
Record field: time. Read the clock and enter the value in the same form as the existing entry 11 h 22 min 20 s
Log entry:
4 h 31 min 22 s
